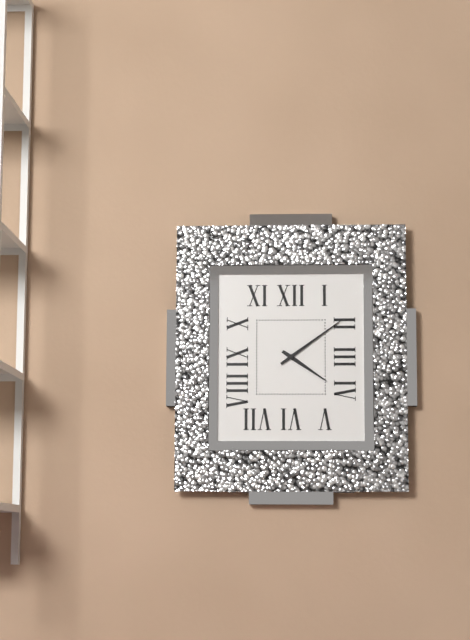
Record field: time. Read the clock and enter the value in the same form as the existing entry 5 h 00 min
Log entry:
4 h 09 min
